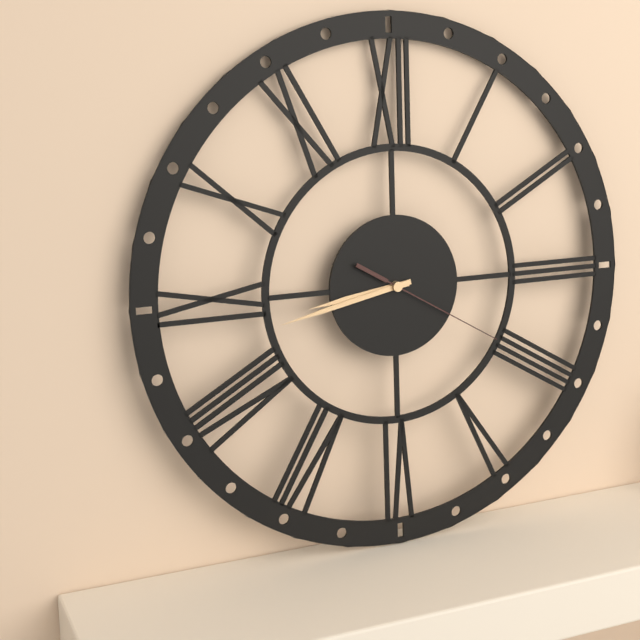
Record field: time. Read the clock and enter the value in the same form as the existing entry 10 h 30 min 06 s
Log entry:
8 h 43 min 20 s
